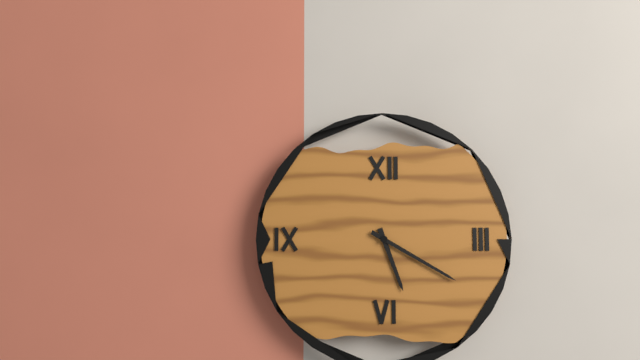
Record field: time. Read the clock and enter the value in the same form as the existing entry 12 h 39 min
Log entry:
5 h 20 min
